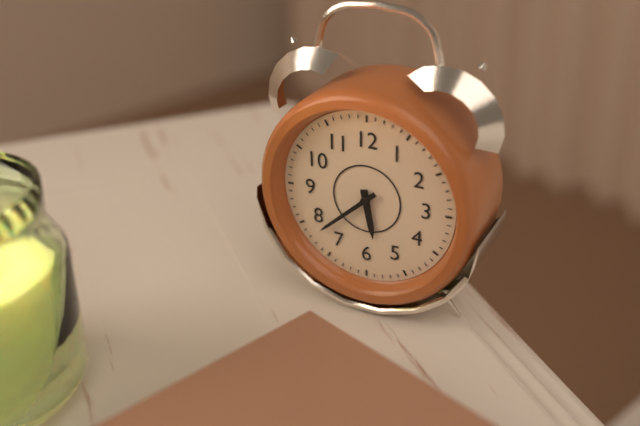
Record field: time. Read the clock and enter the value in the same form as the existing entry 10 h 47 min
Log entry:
5 h 38 min
